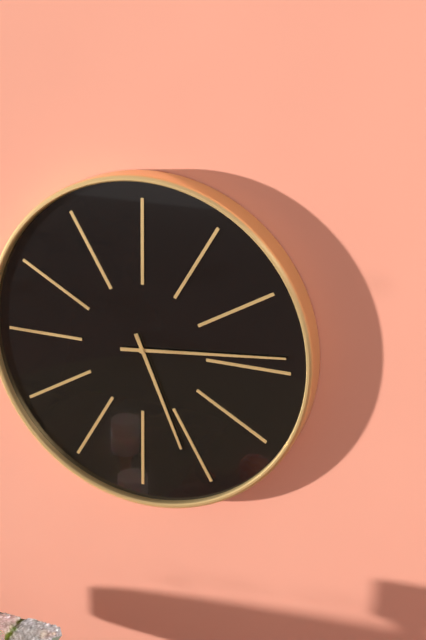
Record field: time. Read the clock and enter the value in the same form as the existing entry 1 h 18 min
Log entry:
5 h 14 min
